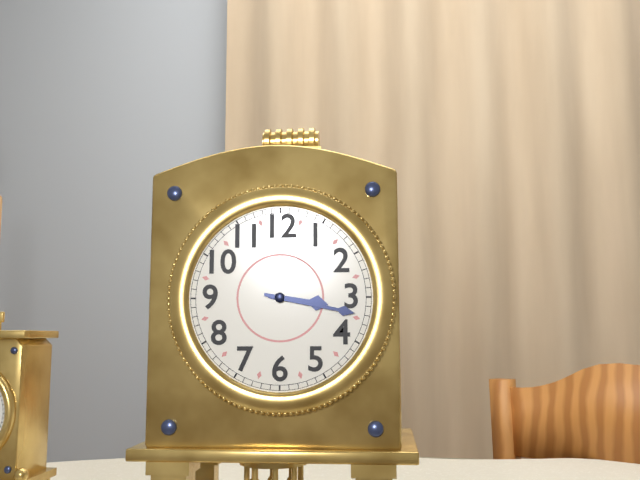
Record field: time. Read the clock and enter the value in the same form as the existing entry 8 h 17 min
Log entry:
3 h 17 min
